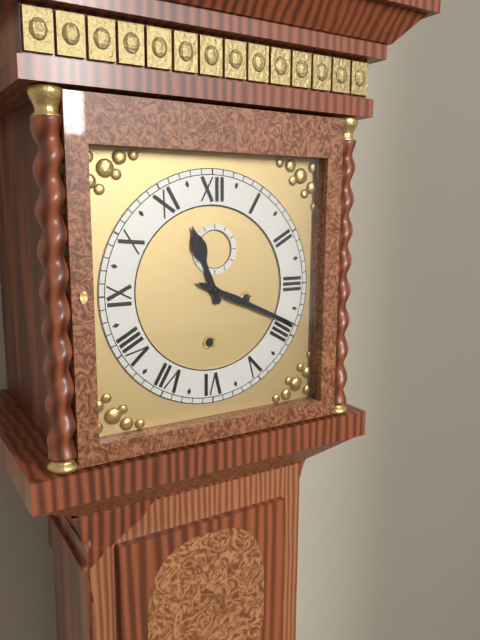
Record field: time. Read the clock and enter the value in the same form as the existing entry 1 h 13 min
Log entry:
11 h 19 min
